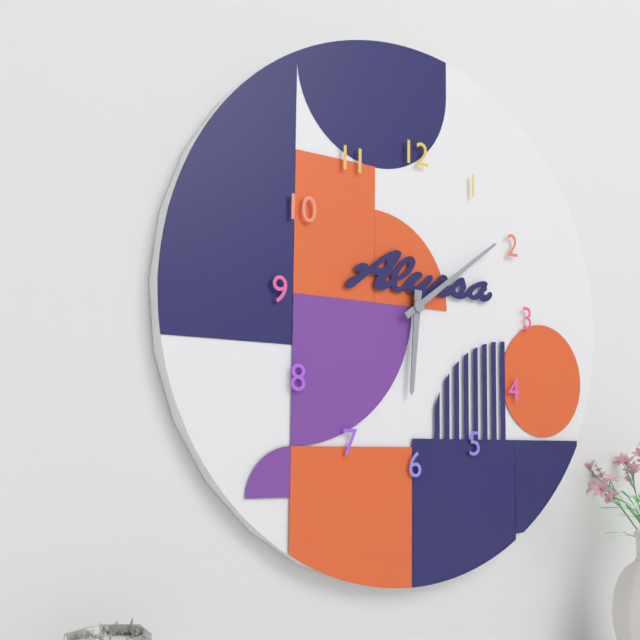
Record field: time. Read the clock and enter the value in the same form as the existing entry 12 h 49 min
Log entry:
6 h 09 min
